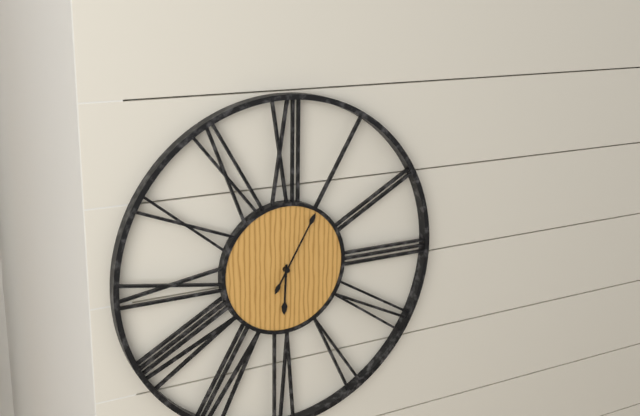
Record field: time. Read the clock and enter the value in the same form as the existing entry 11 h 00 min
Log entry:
6 h 05 min
